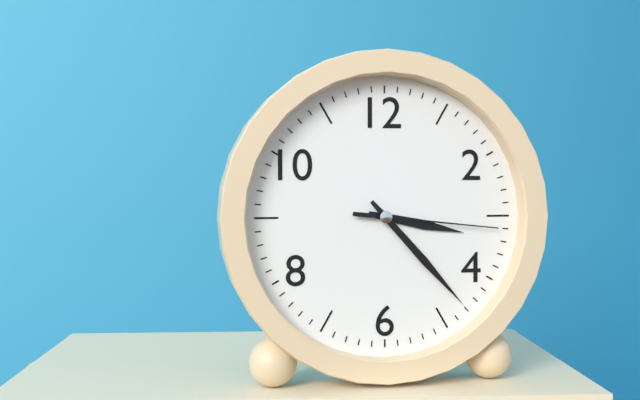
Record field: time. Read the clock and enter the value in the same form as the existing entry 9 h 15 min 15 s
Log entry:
3 h 23 min 16 s
